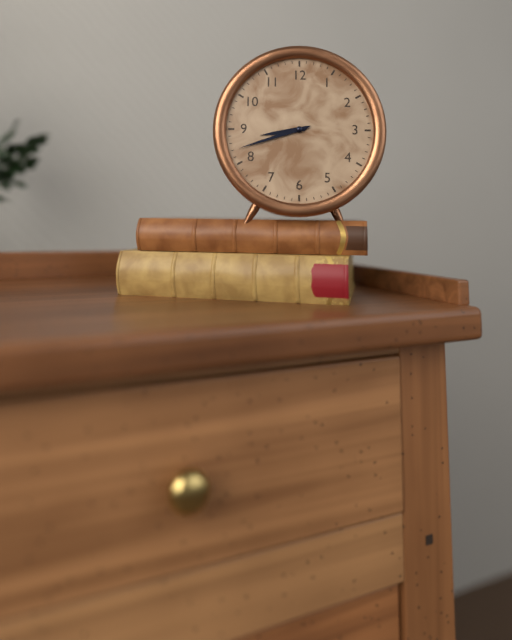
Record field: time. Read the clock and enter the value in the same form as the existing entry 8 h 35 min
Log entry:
8 h 42 min
